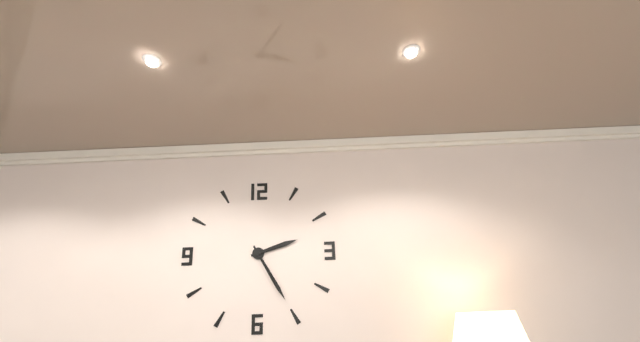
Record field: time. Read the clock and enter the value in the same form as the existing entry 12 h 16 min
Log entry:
2 h 25 min
